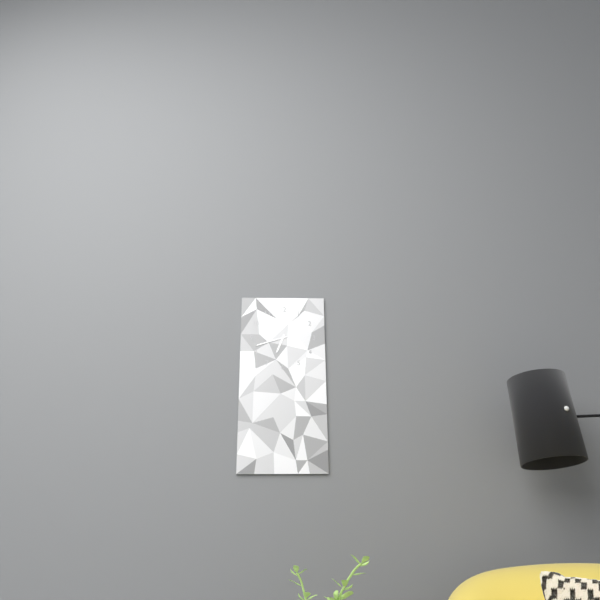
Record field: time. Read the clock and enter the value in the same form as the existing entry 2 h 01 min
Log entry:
6 h 42 min
